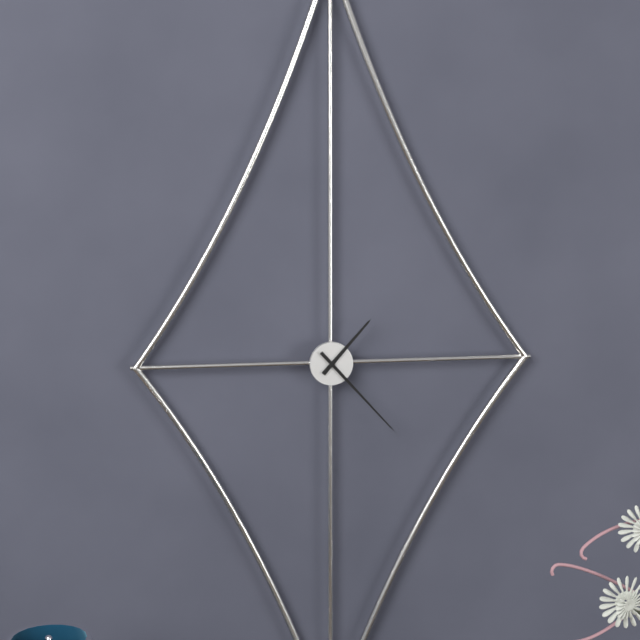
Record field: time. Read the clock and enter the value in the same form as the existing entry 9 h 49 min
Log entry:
1 h 23 min
